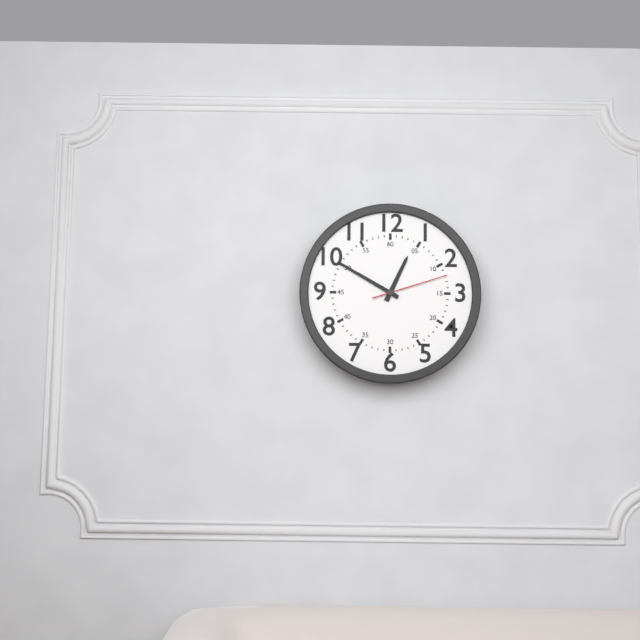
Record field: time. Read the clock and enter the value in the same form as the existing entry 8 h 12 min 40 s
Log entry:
12 h 50 min 12 s
